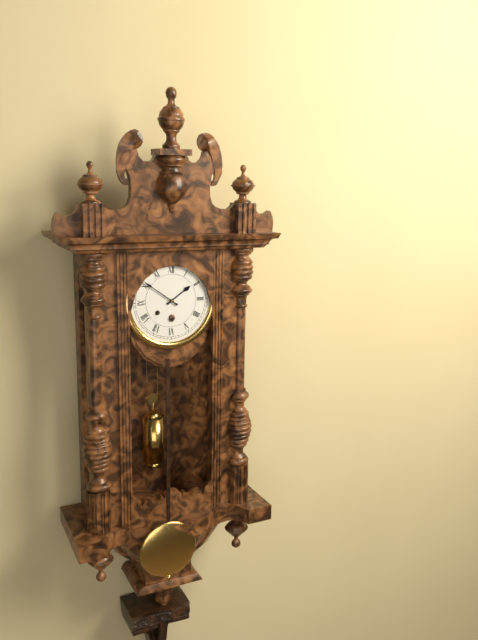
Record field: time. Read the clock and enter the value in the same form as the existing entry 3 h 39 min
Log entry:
1 h 51 min
